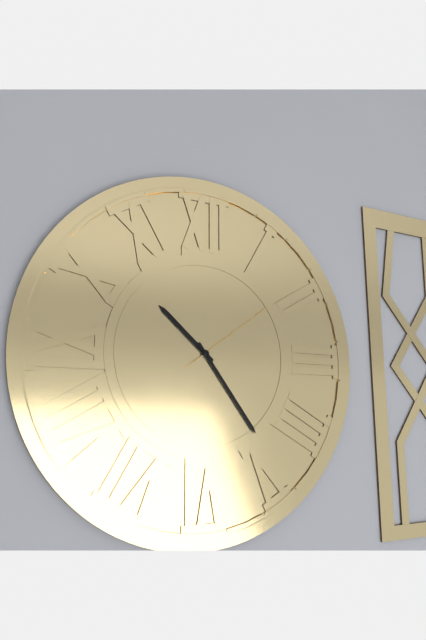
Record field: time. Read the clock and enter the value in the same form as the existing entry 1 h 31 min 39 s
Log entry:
10 h 24 min 09 s
